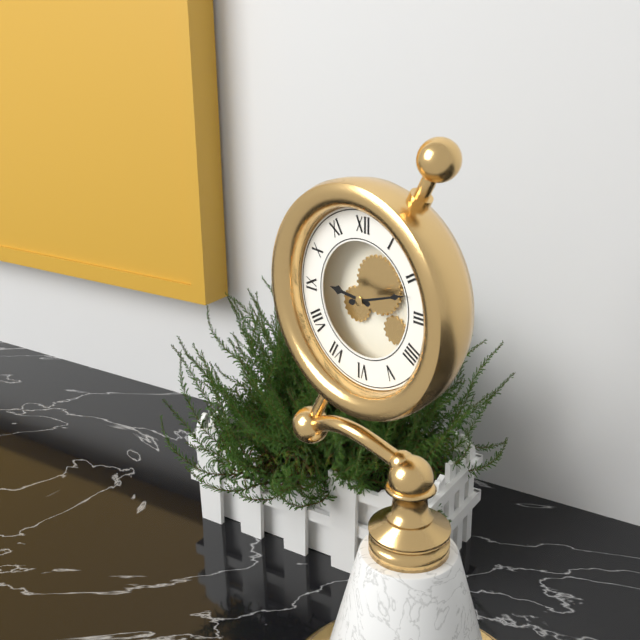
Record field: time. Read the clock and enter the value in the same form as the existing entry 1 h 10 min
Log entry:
9 h 12 min
